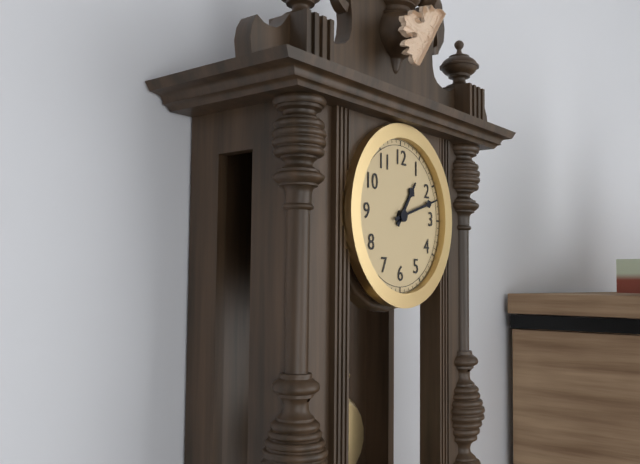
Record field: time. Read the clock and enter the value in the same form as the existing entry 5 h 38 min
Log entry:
1 h 12 min
